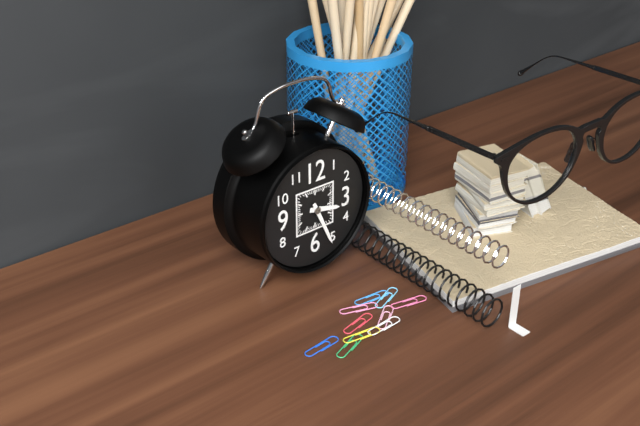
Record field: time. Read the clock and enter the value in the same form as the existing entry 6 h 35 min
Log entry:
3 h 26 min
